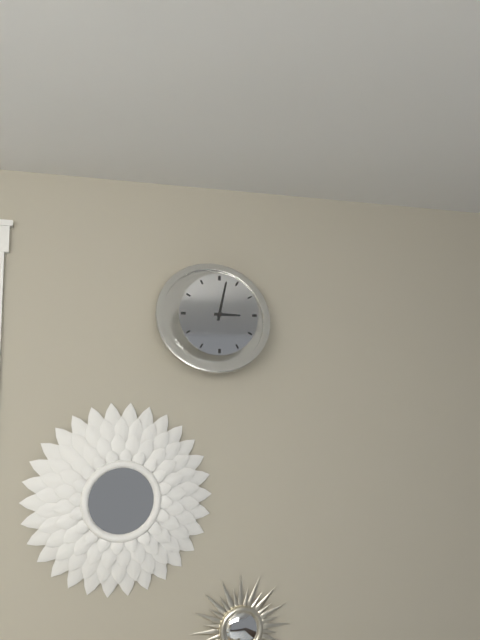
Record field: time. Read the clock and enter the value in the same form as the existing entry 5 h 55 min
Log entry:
3 h 02 min
